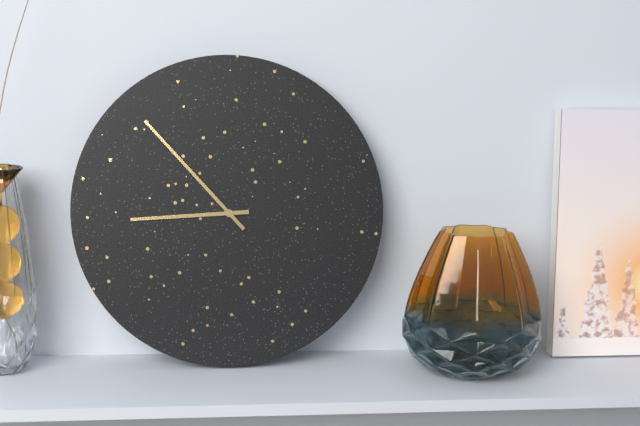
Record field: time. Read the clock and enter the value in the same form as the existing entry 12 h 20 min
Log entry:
8 h 53 min
